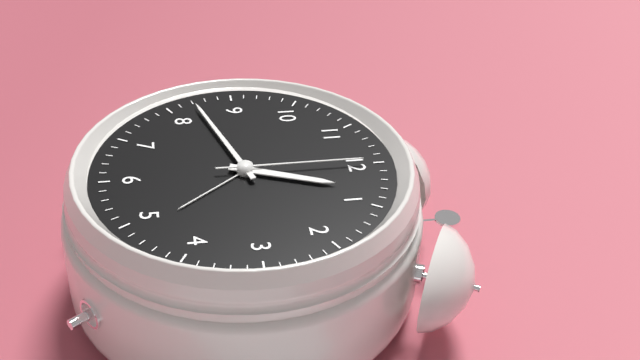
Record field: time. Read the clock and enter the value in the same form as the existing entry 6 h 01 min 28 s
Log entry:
12 h 42 min 00 s
